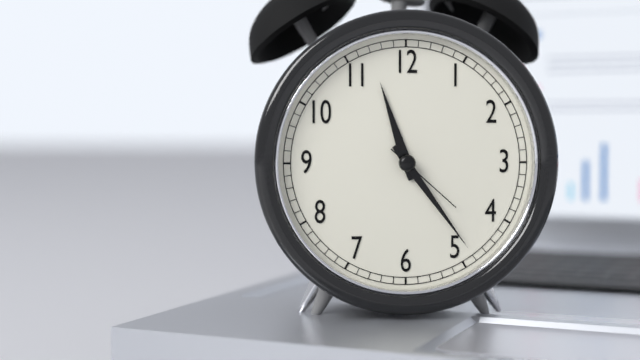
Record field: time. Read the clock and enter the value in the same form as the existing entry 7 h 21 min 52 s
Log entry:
11 h 24 min 22 s
